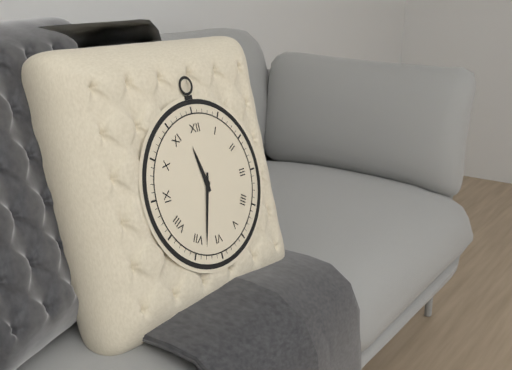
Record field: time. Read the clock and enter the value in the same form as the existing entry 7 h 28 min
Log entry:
11 h 33 min
